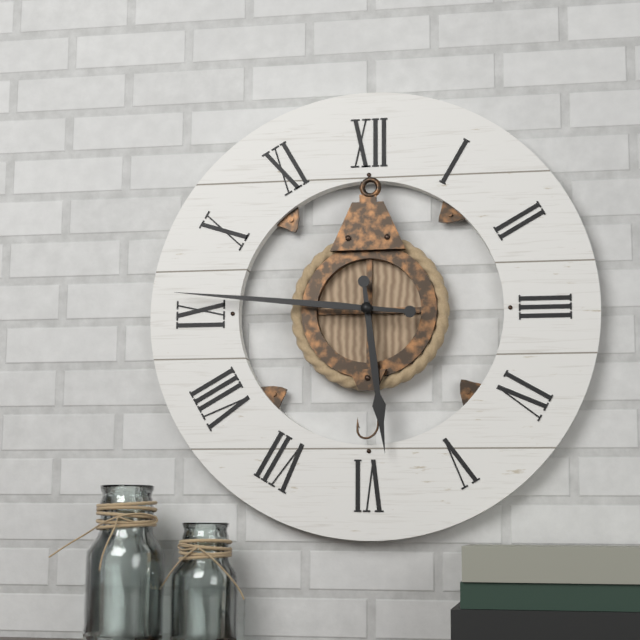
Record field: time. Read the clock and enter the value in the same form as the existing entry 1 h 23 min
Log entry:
5 h 46 min
